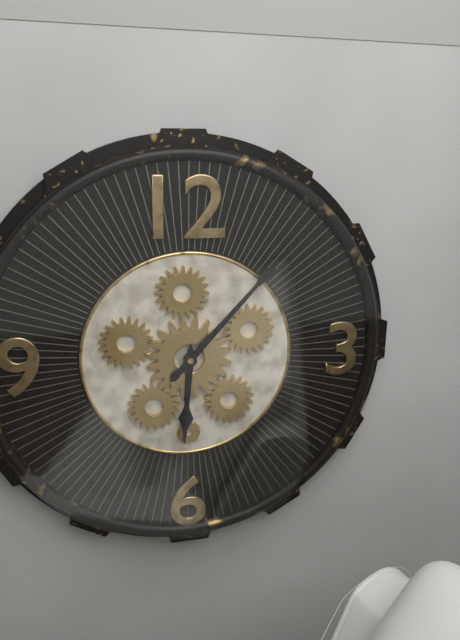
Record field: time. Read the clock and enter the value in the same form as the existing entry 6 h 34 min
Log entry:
6 h 07 min
